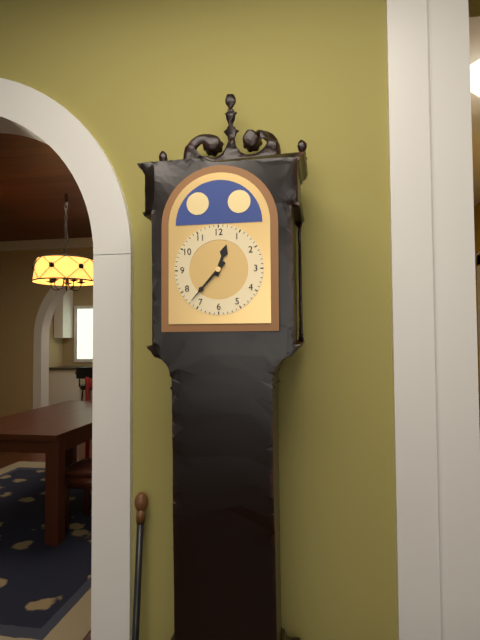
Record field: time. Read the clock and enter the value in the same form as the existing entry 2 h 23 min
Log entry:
12 h 37 min
